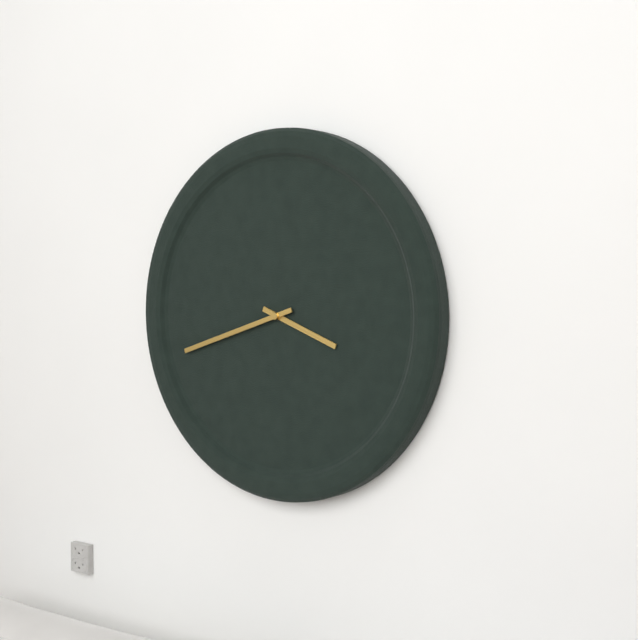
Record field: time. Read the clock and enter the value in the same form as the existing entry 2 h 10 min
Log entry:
3 h 42 min
